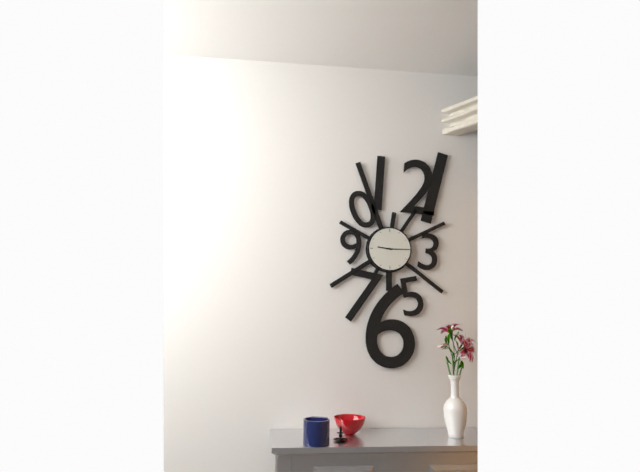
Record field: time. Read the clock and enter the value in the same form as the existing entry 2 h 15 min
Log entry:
9 h 15 min
